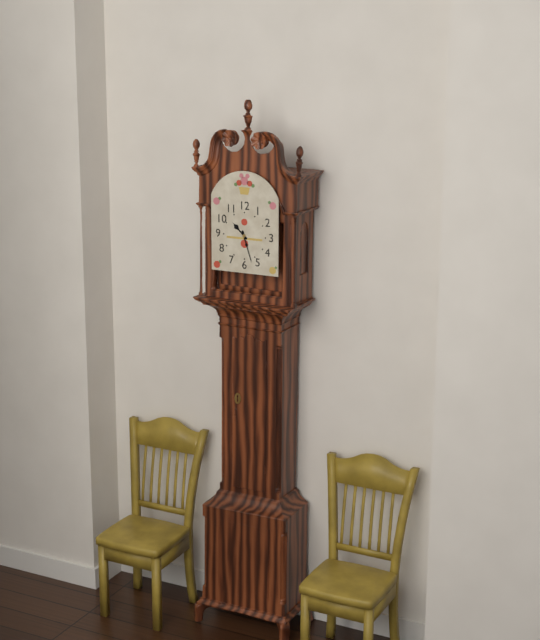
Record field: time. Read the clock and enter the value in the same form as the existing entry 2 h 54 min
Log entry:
10 h 27 min
